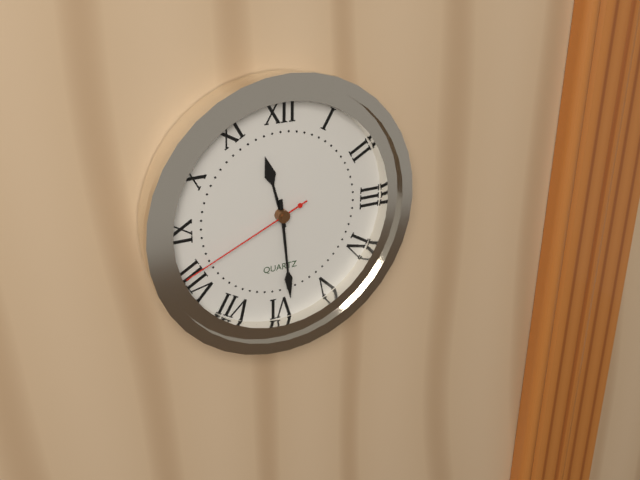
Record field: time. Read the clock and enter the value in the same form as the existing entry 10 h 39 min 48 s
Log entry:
11 h 29 min 41 s
